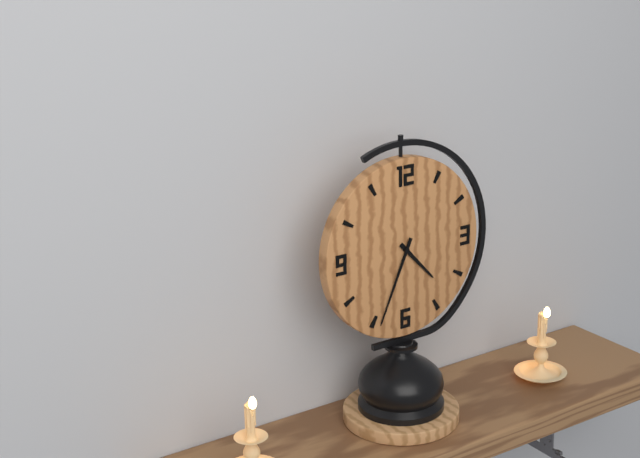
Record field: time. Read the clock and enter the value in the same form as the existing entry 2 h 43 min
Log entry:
4 h 34 min
